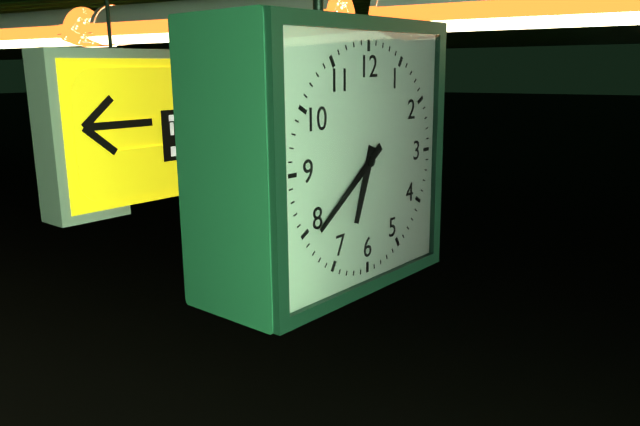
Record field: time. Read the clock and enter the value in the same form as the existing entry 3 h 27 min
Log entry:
6 h 39 min
